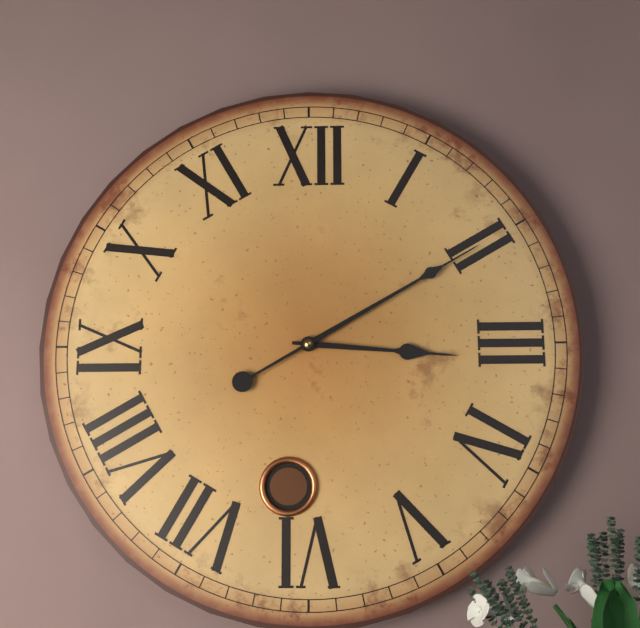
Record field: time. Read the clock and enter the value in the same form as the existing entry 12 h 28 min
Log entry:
3 h 10 min
